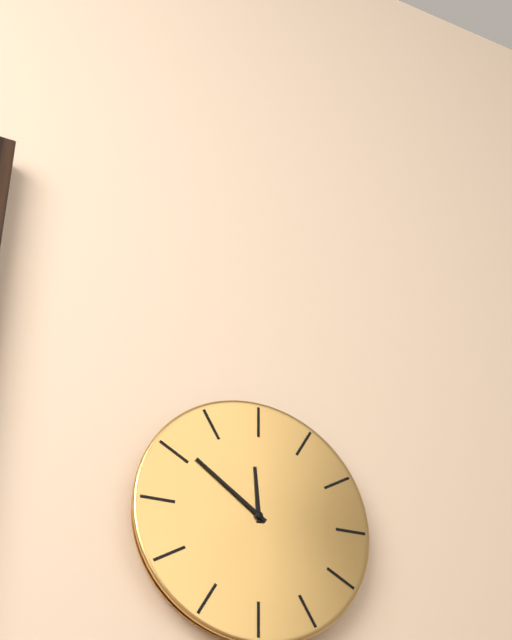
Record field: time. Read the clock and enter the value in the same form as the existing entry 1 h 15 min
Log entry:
11 h 51 min
